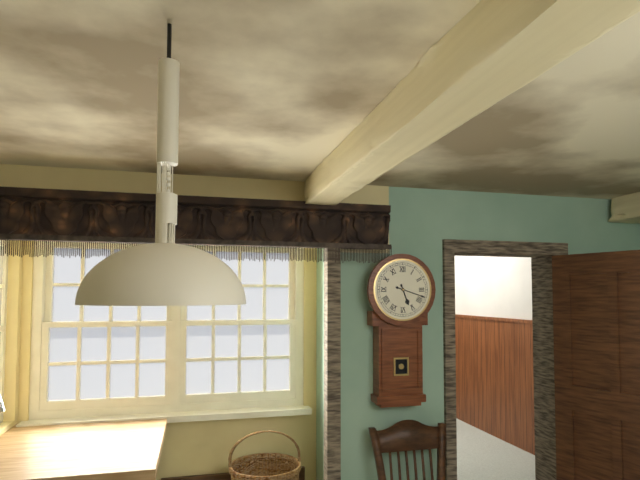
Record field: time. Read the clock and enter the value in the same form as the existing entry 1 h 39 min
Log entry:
5 h 18 min
